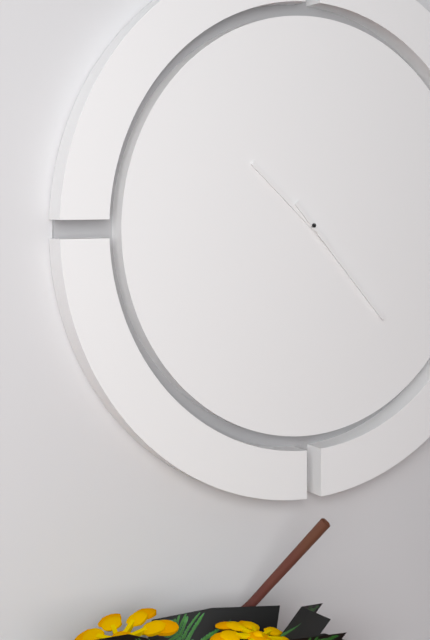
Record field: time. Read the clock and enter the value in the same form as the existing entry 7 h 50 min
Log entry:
10 h 23 min
